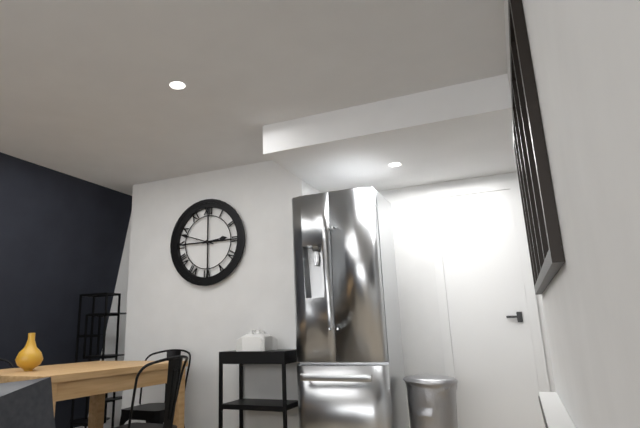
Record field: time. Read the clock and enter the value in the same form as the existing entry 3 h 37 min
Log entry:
2 h 48 min
